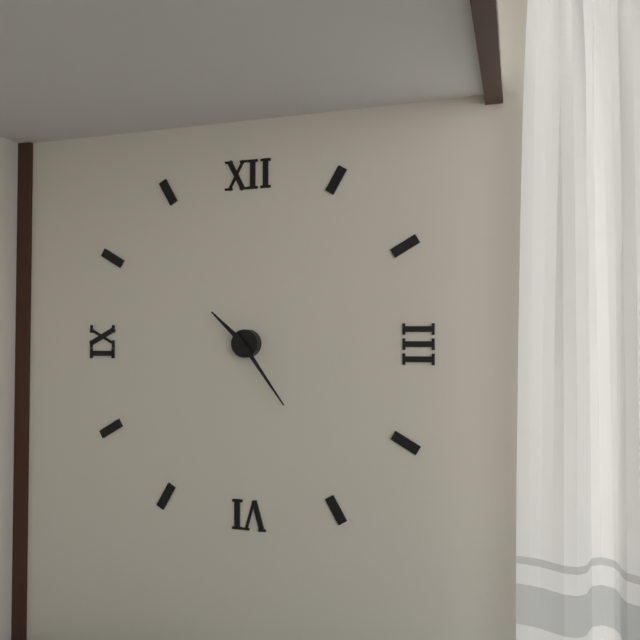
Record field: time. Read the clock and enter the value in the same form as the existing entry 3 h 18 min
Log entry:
10 h 24 min
